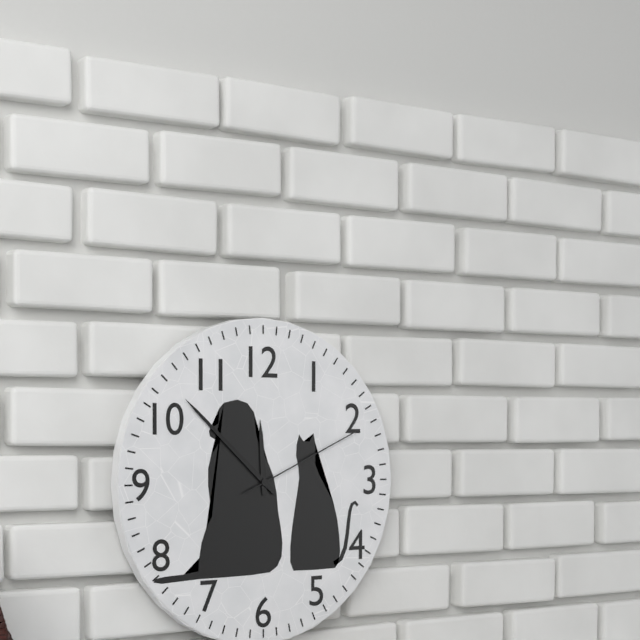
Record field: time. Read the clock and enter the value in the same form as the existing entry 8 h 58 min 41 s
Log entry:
11 h 52 min 11 s
